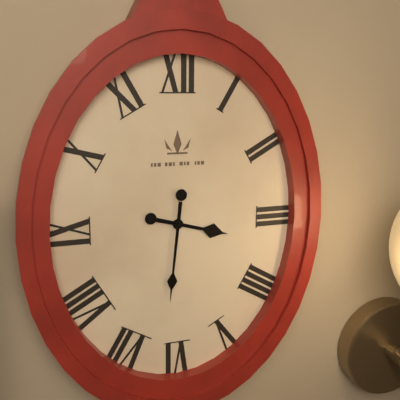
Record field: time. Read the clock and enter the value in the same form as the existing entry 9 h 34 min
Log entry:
3 h 31 min
